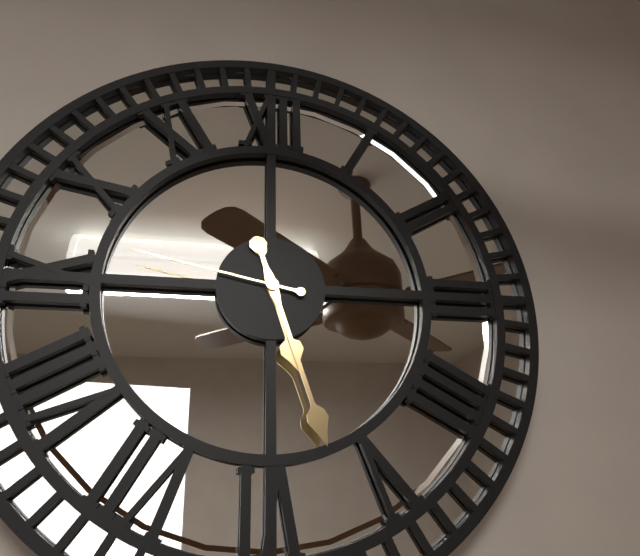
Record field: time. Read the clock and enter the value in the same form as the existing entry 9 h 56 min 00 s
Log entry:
5 h 27 min 47 s
